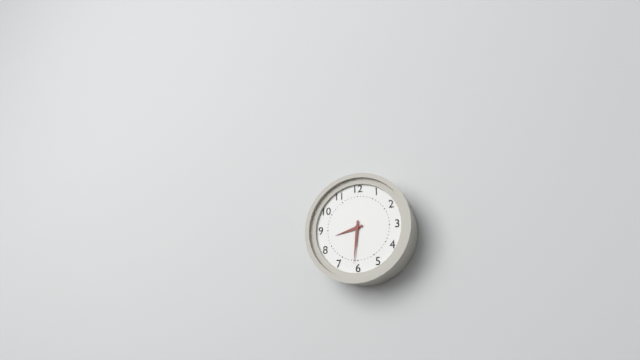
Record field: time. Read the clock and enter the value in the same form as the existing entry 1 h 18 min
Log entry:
8 h 31 min
